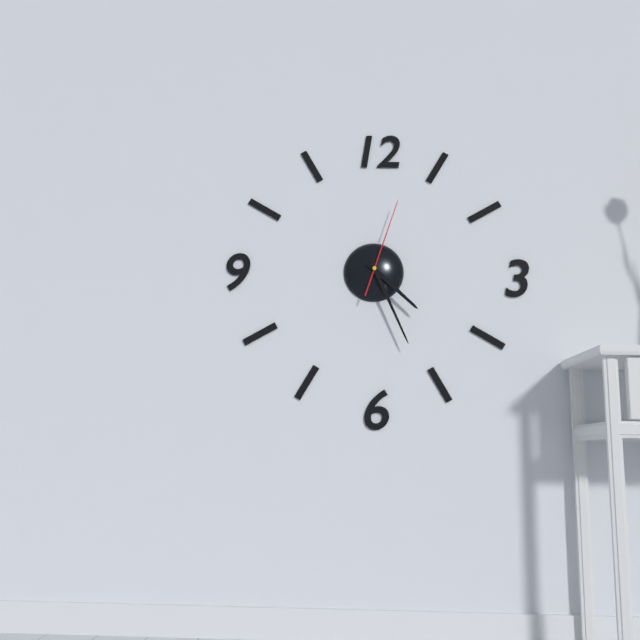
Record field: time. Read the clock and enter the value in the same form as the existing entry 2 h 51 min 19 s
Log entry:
4 h 26 min 03 s
